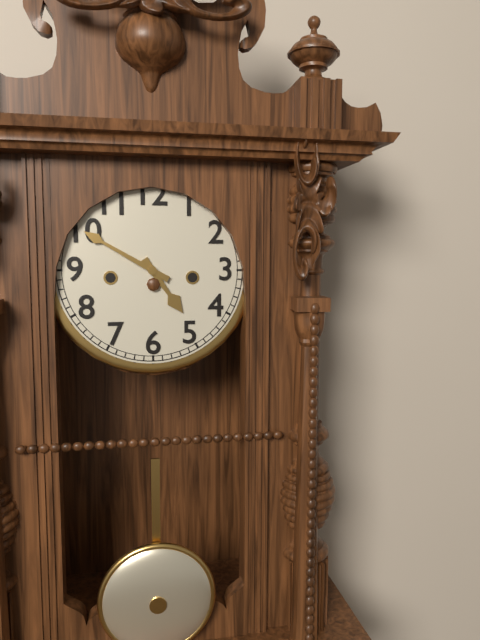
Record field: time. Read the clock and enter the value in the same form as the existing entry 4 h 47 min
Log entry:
4 h 50 min
